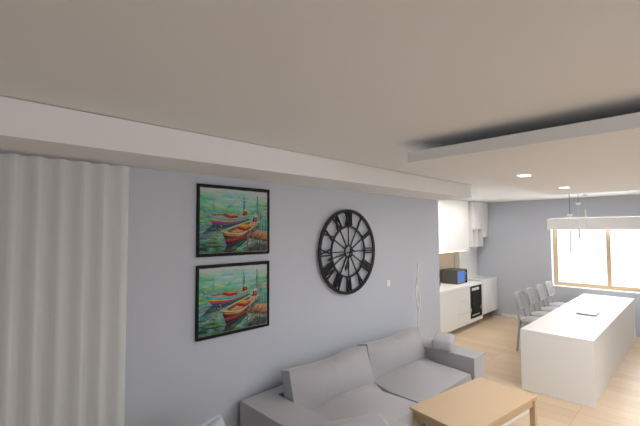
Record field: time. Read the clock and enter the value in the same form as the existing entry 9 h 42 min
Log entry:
6 h 43 min
